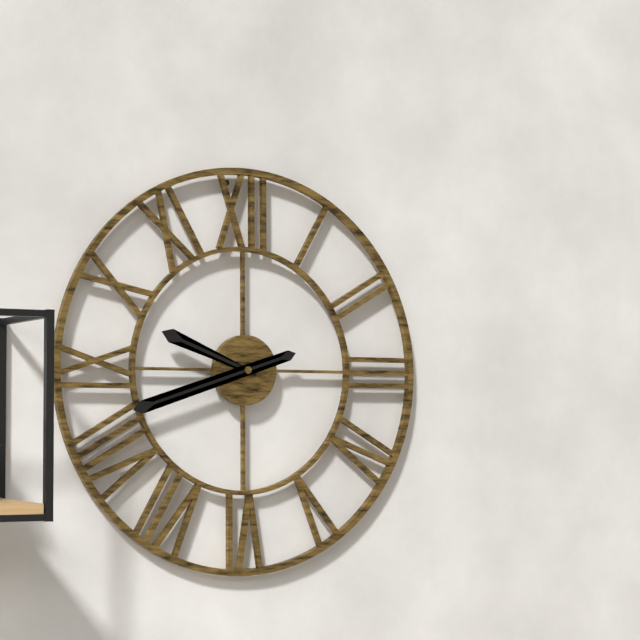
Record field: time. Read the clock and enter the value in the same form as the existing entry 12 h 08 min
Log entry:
9 h 42 min
